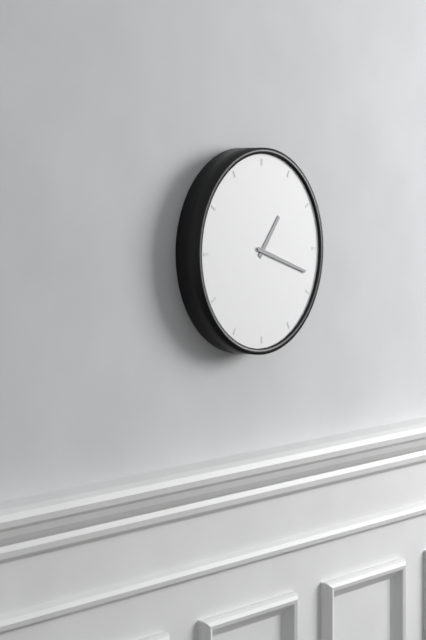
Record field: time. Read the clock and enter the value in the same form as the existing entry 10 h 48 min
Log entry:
1 h 18 min
